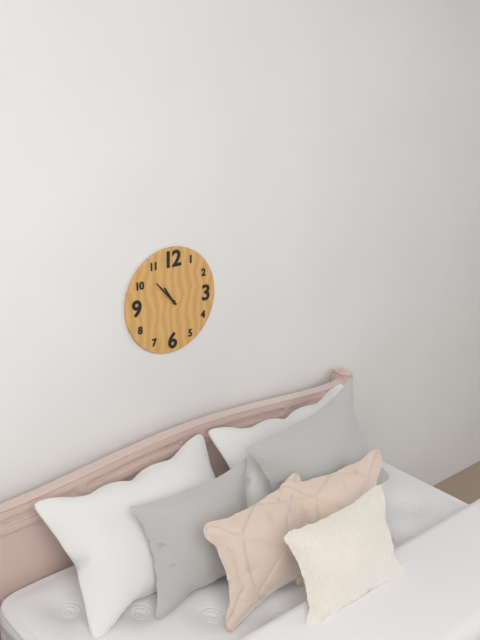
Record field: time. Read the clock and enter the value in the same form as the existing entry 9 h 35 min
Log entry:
10 h 53 min
